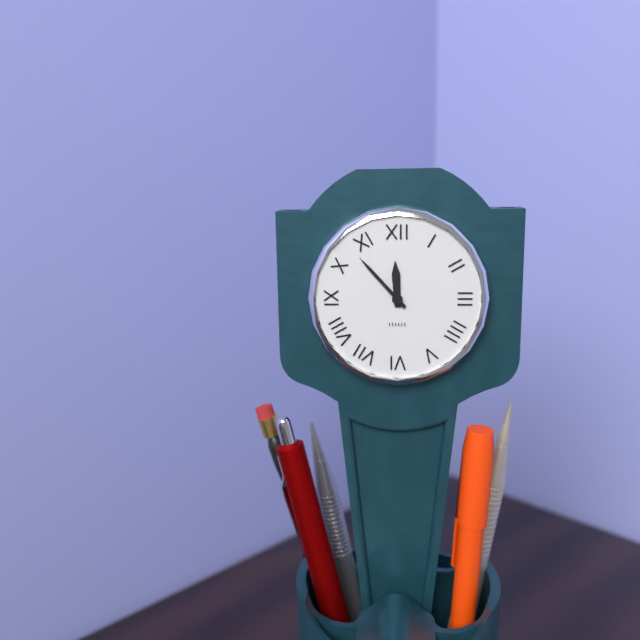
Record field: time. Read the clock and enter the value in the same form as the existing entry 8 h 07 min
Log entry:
11 h 53 min
